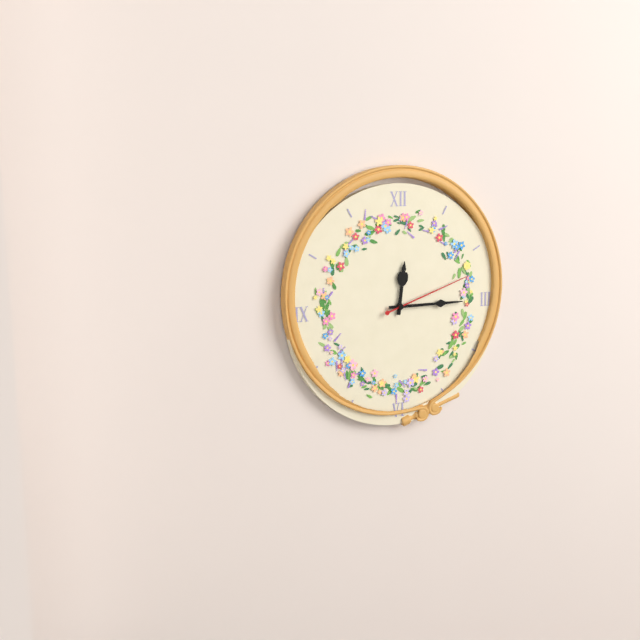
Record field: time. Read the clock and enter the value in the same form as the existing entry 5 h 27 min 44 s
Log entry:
12 h 15 min 12 s
